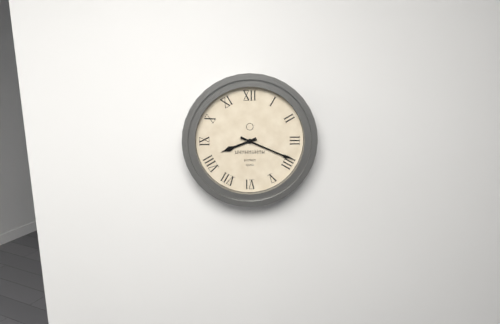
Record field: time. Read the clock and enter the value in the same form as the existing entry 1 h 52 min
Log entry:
8 h 19 min
